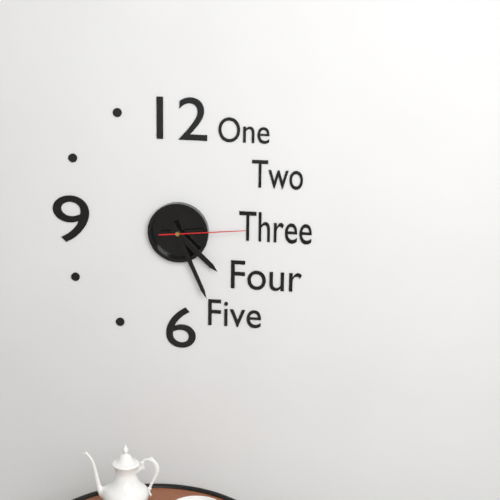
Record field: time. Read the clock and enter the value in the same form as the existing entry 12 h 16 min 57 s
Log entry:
4 h 26 min 14 s
